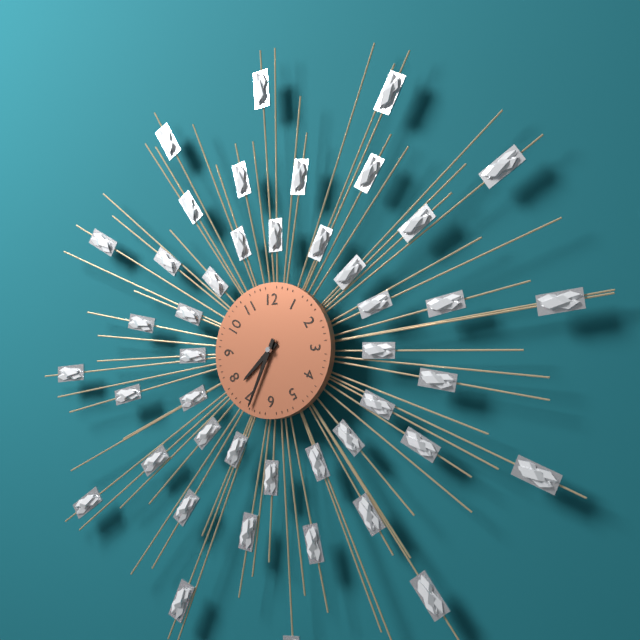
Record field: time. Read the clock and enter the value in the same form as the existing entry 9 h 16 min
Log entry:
7 h 34 min
